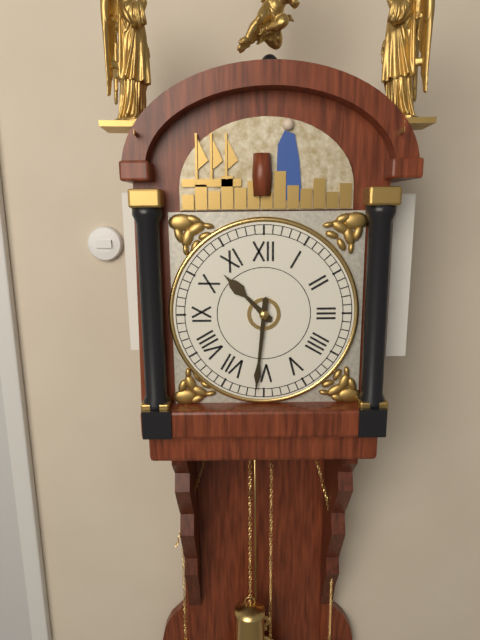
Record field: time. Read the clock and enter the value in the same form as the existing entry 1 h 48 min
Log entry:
10 h 31 min
